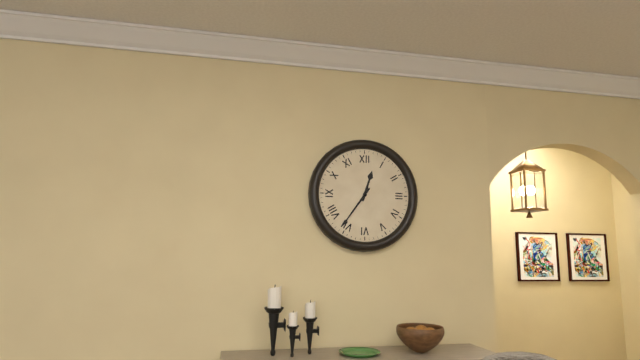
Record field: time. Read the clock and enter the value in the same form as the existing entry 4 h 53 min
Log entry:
12 h 36 min
